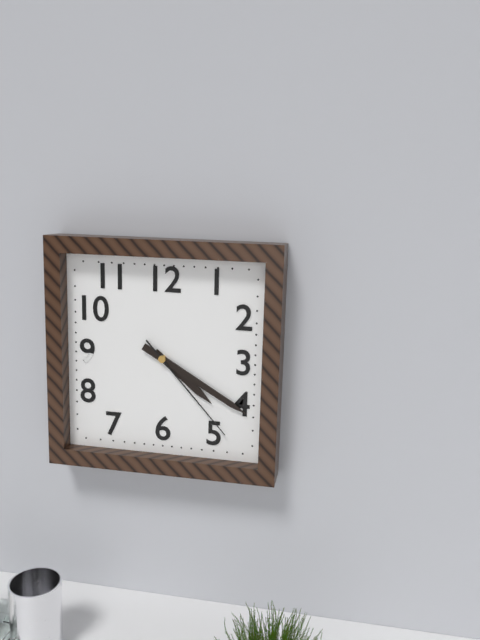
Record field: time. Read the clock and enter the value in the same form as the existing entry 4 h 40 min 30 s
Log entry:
4 h 20 min 23 s
